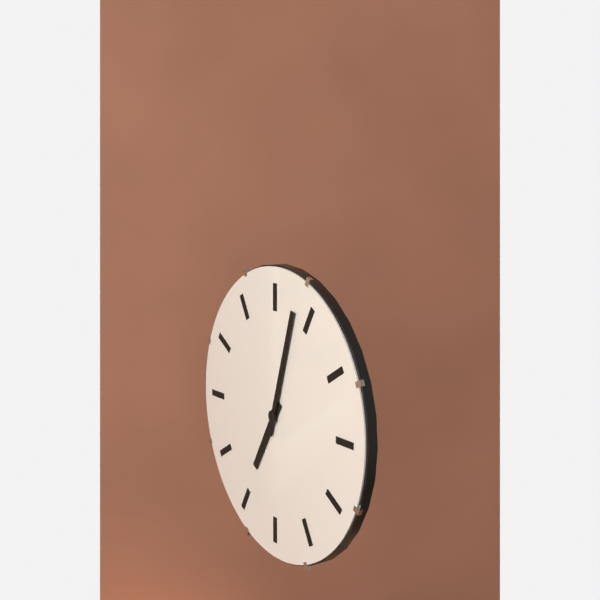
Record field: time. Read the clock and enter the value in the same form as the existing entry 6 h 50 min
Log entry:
7 h 03 min
